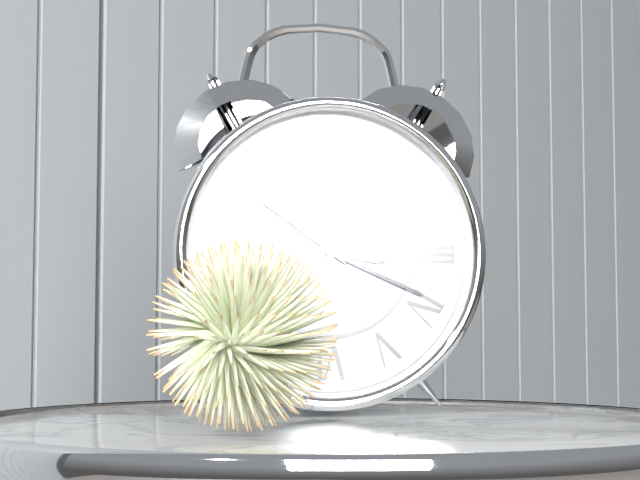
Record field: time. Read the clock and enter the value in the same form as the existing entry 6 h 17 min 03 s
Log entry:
3 h 19 min 51 s
